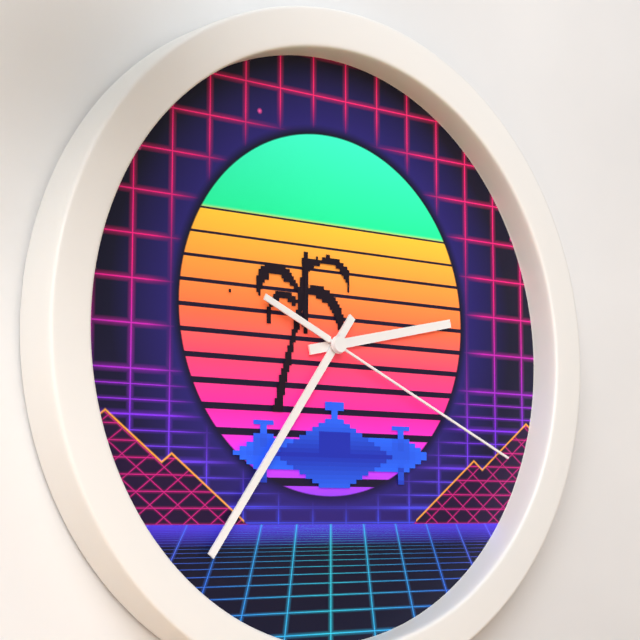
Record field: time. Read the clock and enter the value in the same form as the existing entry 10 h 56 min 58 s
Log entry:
2 h 36 min 19 s
